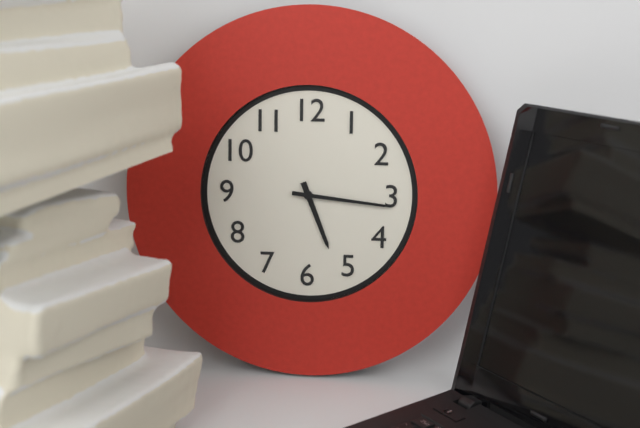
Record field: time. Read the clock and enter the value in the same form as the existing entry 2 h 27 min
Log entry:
5 h 16 min
